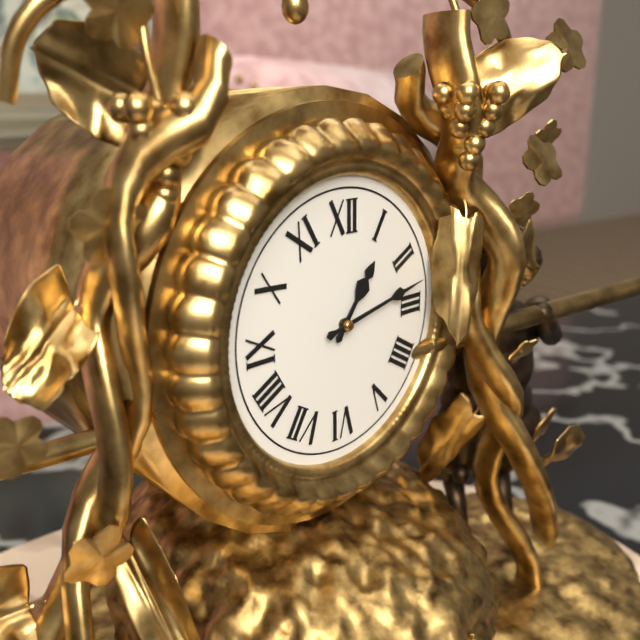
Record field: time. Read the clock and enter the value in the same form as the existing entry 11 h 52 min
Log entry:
1 h 13 min
